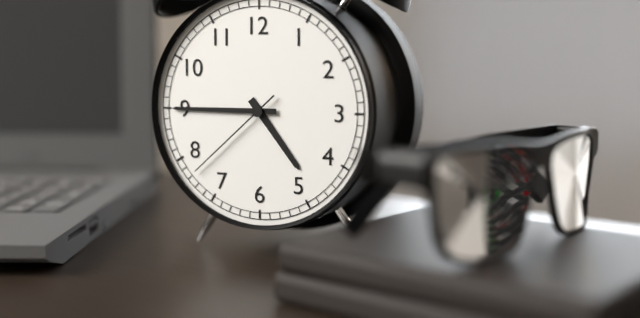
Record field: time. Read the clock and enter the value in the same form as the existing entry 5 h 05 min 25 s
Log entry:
4 h 45 min 38 s
